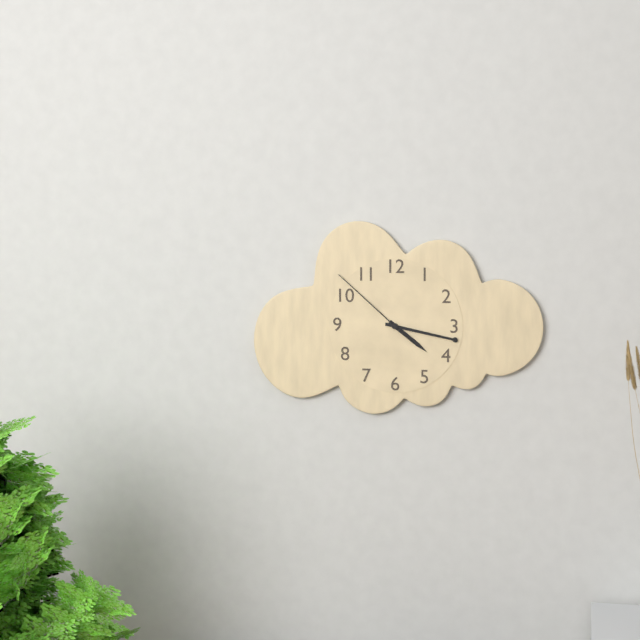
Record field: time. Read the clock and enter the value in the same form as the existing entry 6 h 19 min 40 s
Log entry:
4 h 17 min 52 s
